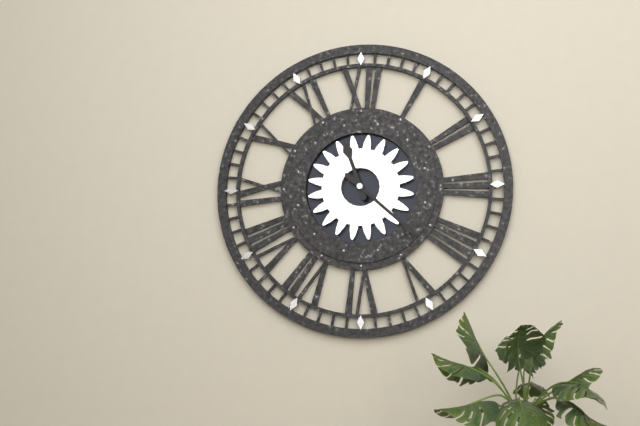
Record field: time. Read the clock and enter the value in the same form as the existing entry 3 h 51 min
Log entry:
11 h 22 min
